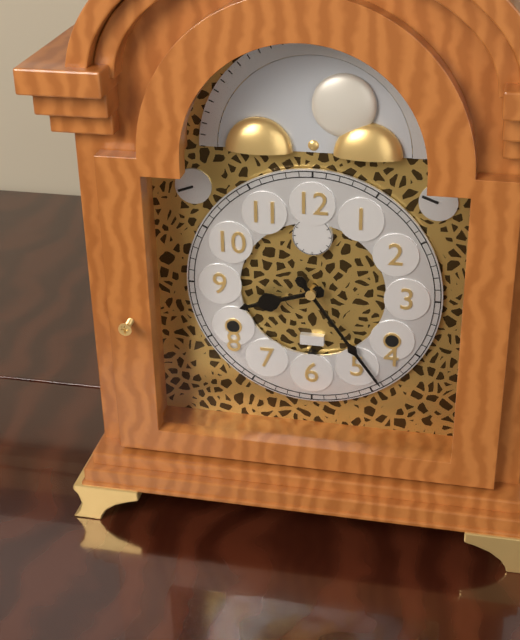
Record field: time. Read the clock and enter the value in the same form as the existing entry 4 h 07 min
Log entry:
8 h 24 min
